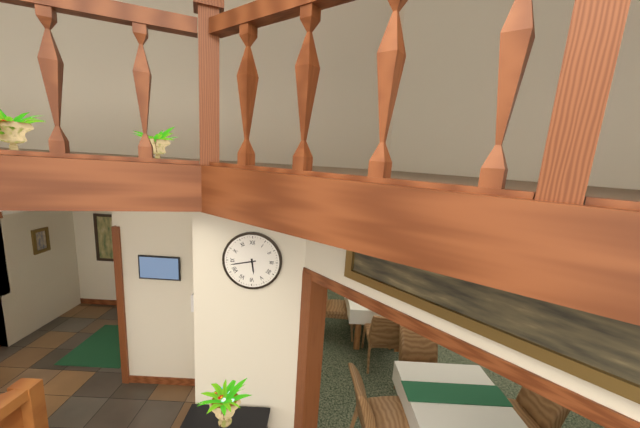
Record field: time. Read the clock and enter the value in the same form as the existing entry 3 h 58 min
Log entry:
5 h 43 min
